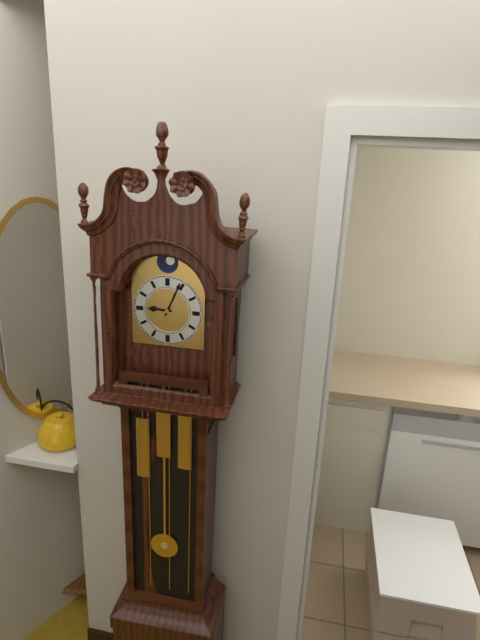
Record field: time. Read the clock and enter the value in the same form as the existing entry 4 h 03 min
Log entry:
9 h 04 min
